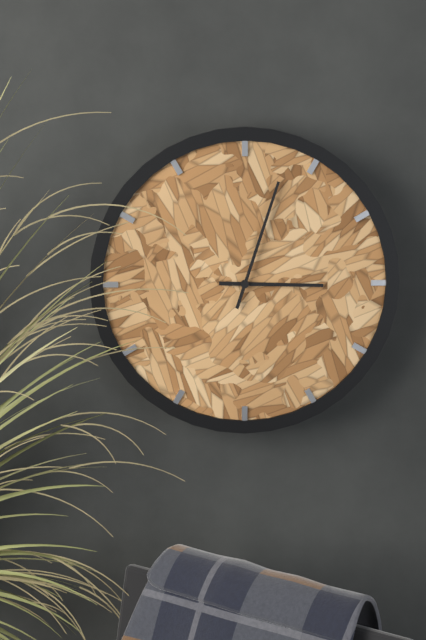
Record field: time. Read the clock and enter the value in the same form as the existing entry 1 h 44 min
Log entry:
3 h 03 min
